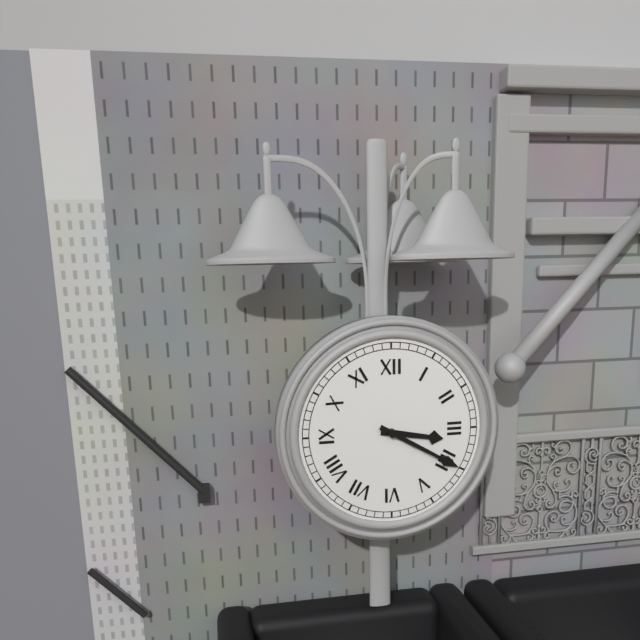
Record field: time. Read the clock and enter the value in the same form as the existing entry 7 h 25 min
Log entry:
3 h 20 min
